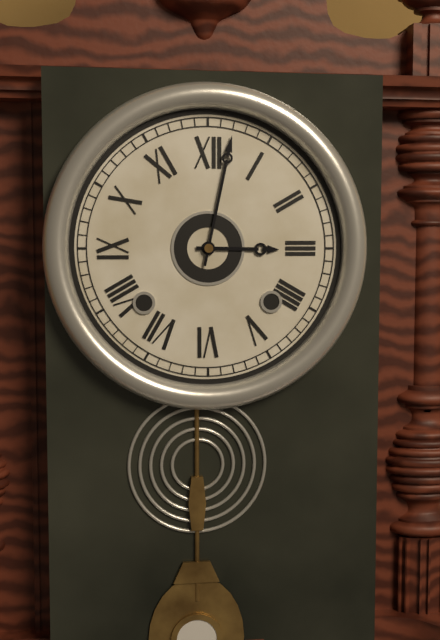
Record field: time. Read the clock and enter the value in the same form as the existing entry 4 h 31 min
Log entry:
3 h 02 min
